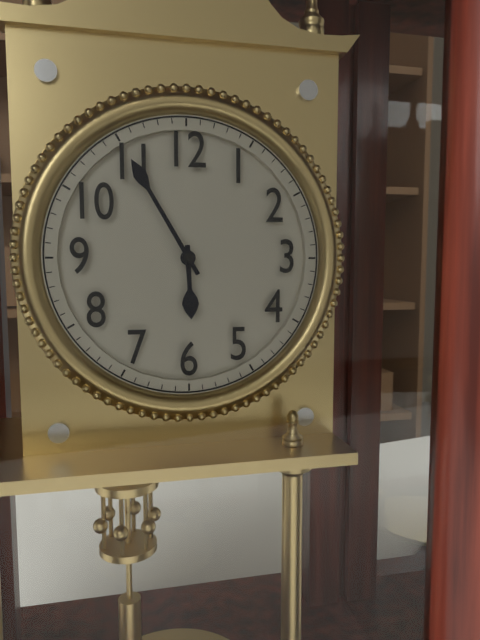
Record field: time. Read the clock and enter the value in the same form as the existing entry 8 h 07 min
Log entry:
5 h 55 min
